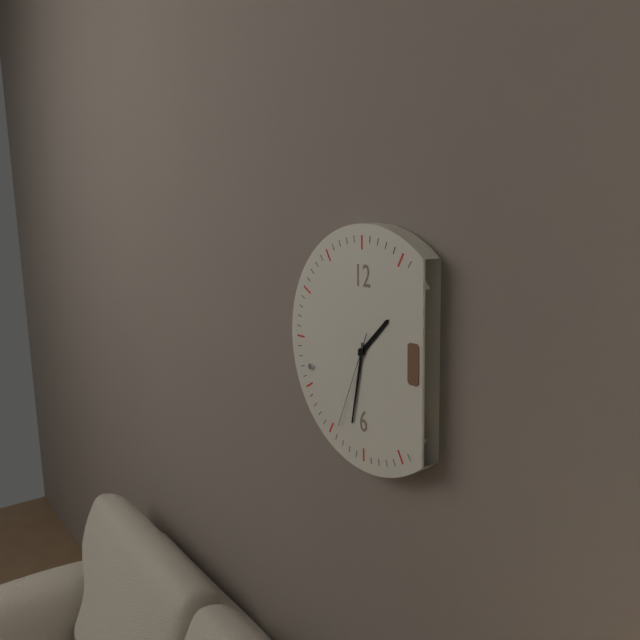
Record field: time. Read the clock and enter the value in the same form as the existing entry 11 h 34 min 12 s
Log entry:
1 h 32 min 34 s
